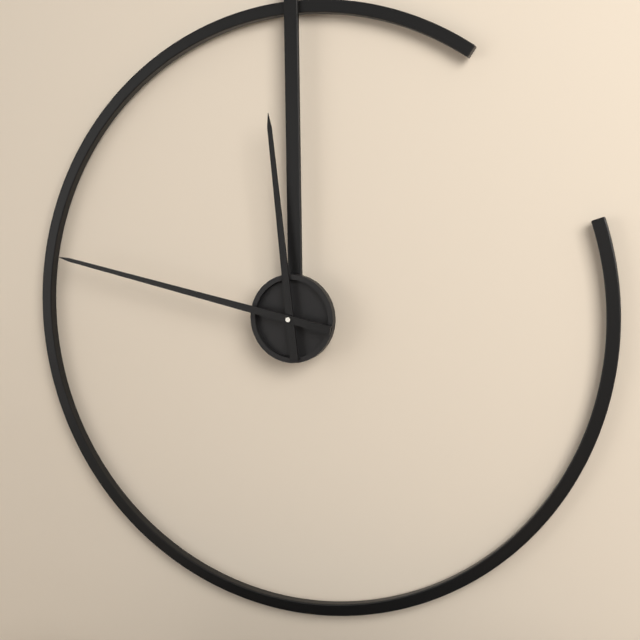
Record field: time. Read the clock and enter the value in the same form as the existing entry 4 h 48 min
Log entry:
11 h 47 min
